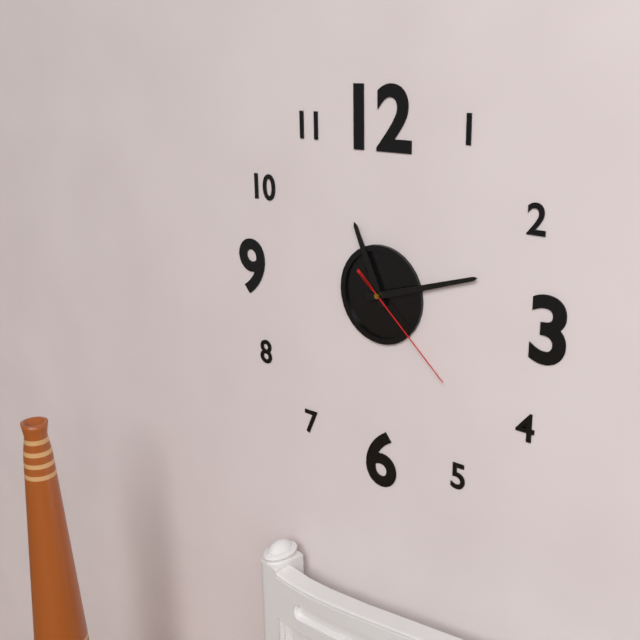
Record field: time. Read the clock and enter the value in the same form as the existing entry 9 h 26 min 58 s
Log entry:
11 h 12 min 22 s
